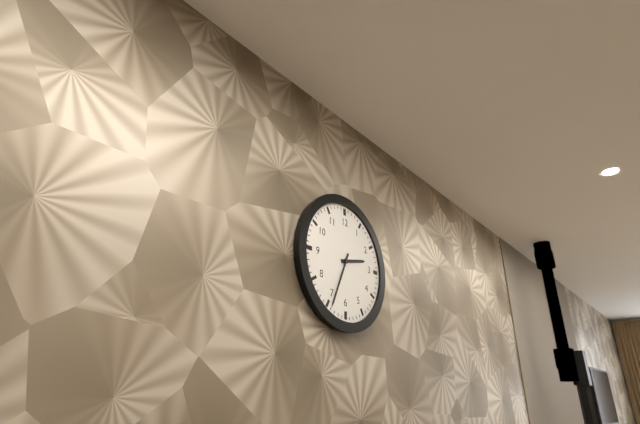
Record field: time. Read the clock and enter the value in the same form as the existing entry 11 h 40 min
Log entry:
2 h 34 min
